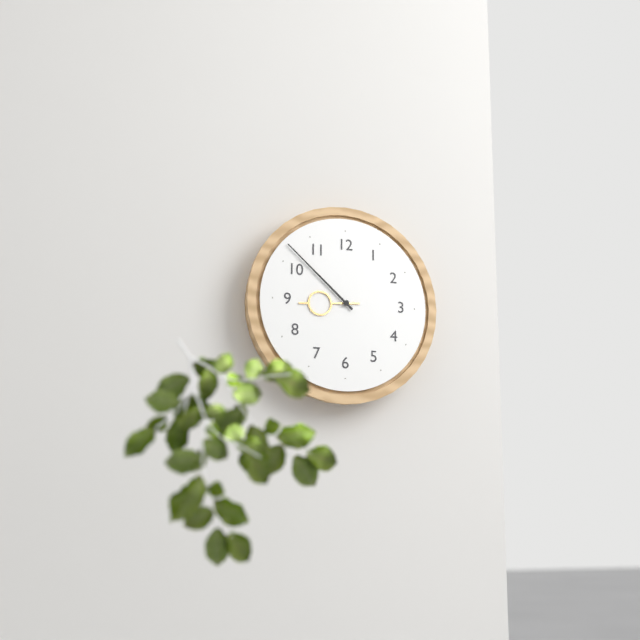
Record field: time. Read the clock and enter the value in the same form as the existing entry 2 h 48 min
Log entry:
8 h 52 min
